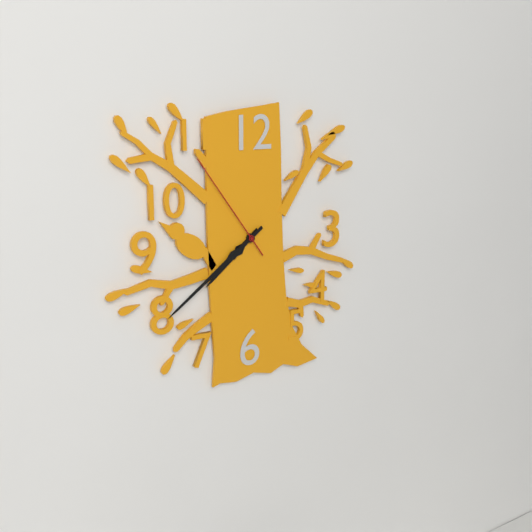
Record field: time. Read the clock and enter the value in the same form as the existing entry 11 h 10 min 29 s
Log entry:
7 h 39 min 54 s
